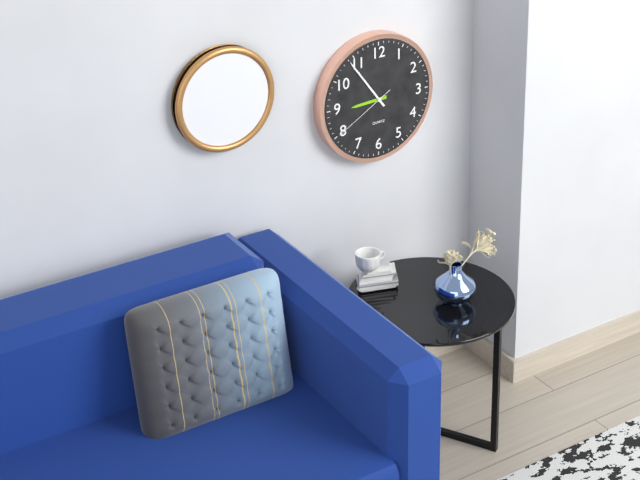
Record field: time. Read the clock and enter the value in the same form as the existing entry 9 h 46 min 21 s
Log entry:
8 h 54 min 40 s
